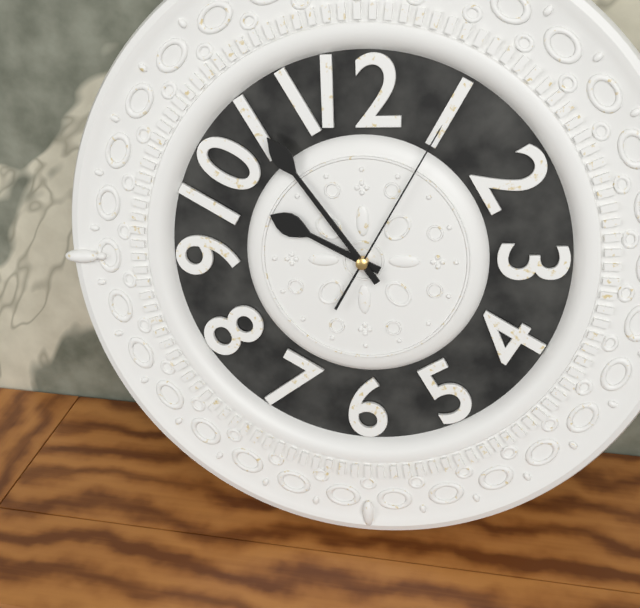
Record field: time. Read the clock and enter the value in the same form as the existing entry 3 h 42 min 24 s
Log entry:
9 h 54 min 05 s
